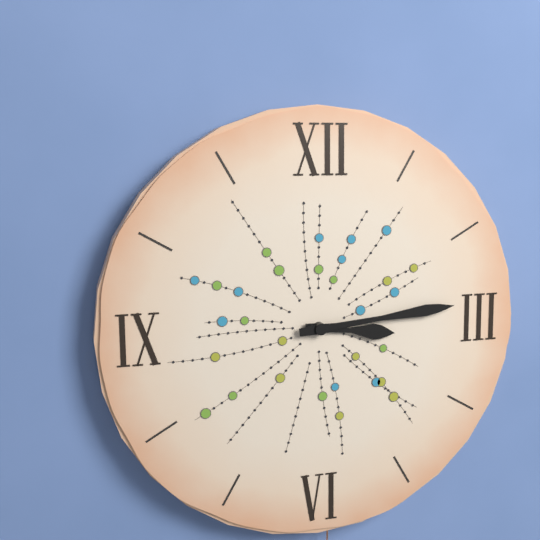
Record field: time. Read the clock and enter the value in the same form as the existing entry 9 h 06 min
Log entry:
3 h 14 min
